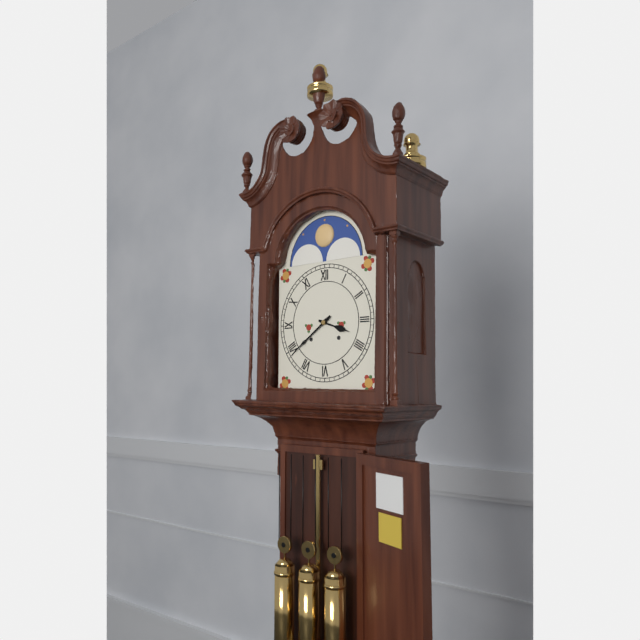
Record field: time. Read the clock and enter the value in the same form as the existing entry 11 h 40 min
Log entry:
3 h 39 min
